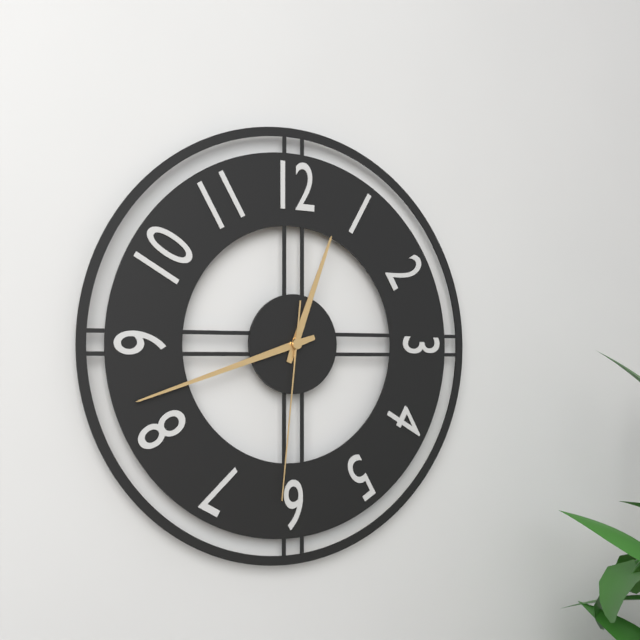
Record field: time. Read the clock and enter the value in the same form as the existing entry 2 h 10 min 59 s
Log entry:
12 h 42 min 31 s
